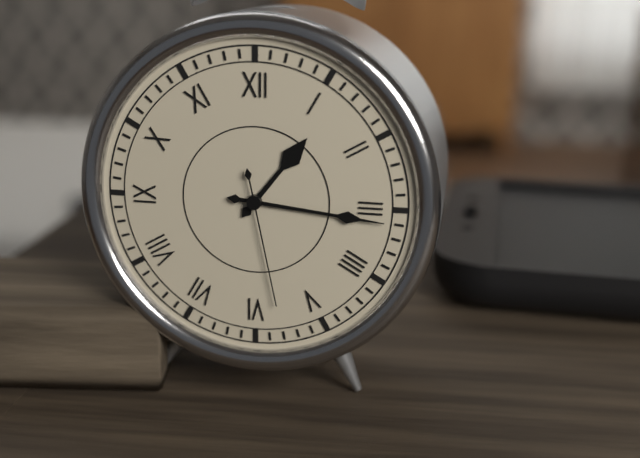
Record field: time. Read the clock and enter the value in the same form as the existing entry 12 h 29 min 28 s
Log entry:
1 h 16 min 28 s
